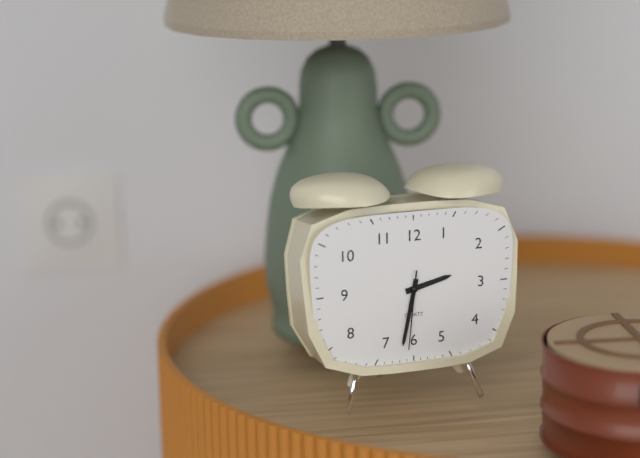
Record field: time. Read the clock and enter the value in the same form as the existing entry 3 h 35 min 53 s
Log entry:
2 h 32 min 31 s
